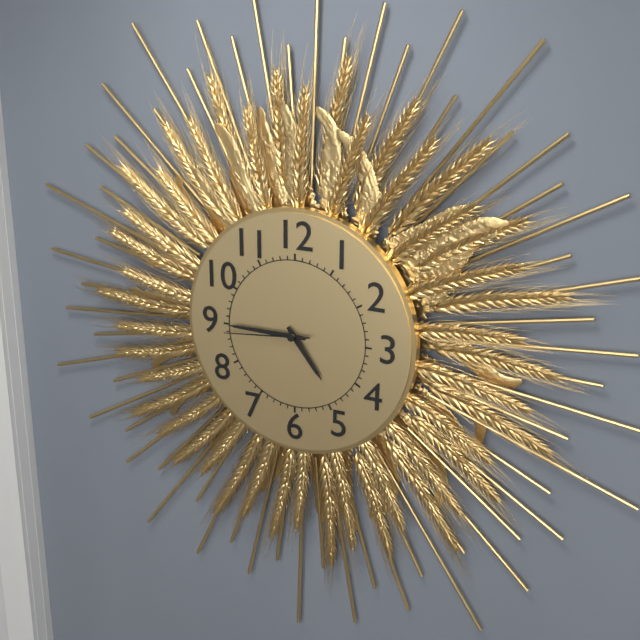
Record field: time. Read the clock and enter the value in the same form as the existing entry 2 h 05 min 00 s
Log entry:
4 h 45 min 44 s
